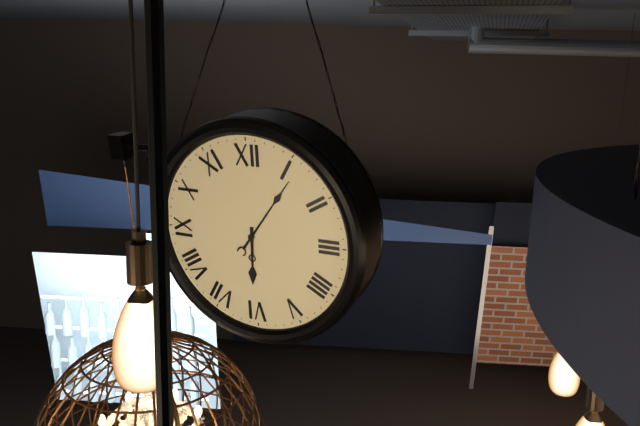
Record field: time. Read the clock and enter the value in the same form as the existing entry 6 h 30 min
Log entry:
6 h 06 min
